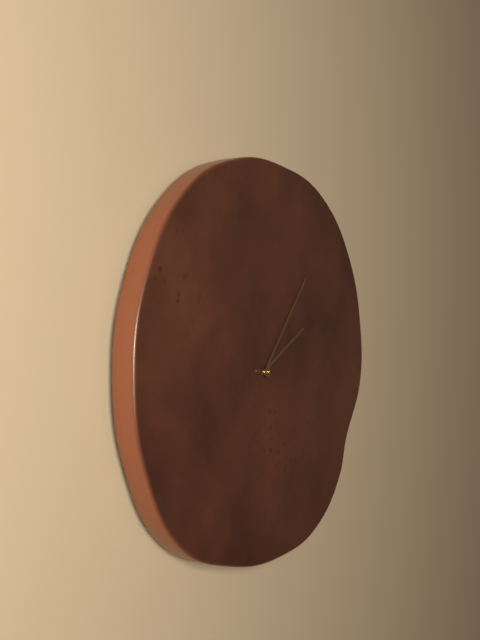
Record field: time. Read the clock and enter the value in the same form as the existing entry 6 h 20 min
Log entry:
2 h 07 min
